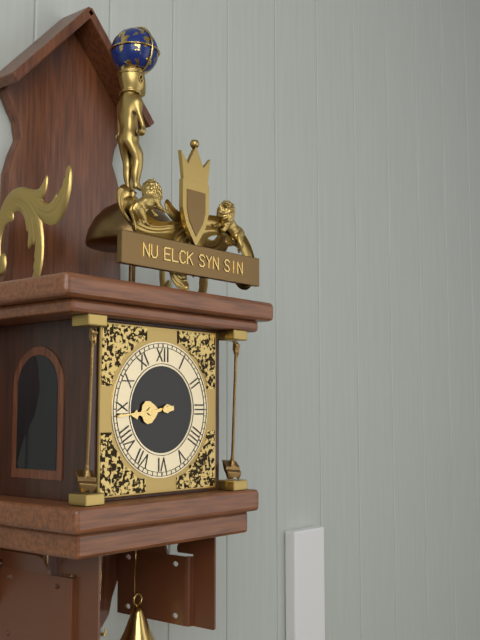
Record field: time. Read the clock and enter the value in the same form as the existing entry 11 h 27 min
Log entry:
8 h 44 min
